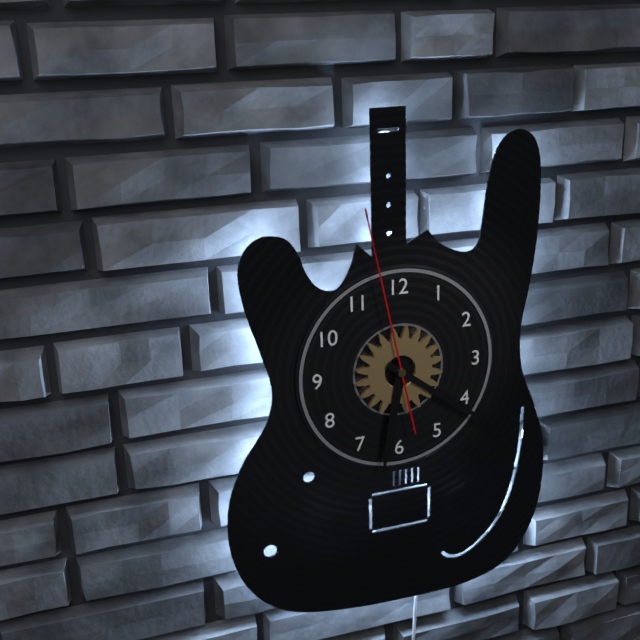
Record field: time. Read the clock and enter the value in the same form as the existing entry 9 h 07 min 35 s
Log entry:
6 h 21 min 58 s
